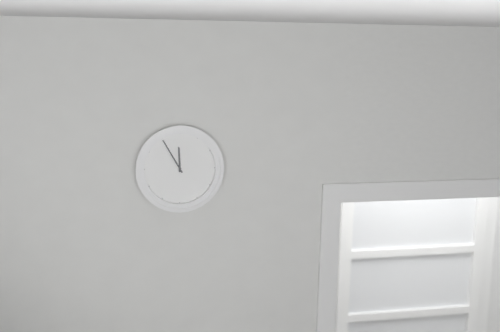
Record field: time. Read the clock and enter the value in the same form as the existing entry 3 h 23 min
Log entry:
11 h 55 min
